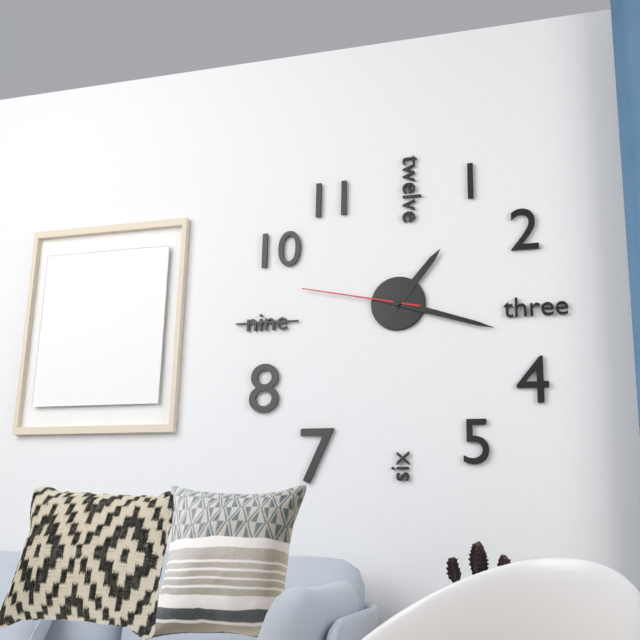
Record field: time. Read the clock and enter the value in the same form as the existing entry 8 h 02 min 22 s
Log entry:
1 h 18 min 47 s
